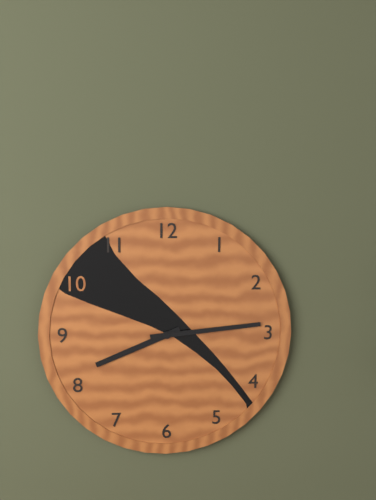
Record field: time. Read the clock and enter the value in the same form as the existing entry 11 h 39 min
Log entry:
8 h 14 min
